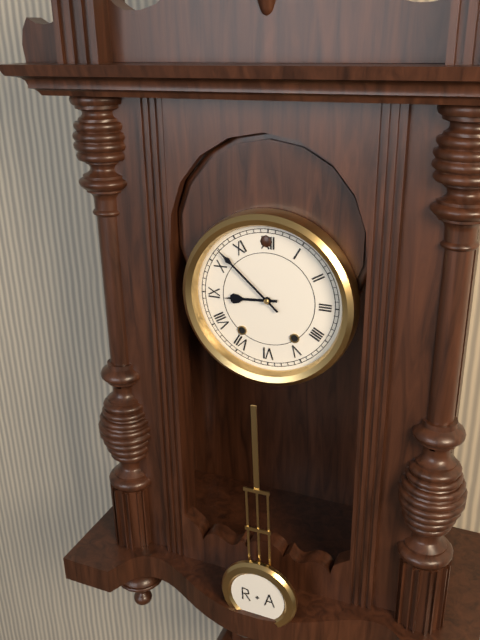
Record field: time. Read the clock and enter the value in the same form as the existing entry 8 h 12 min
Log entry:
8 h 52 min
